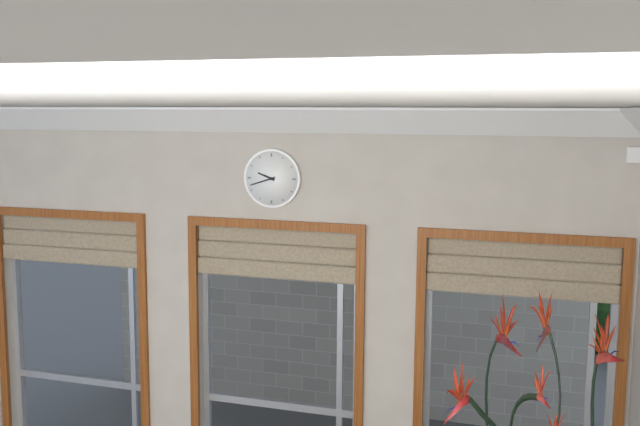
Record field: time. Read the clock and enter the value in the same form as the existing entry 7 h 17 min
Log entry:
9 h 42 min
